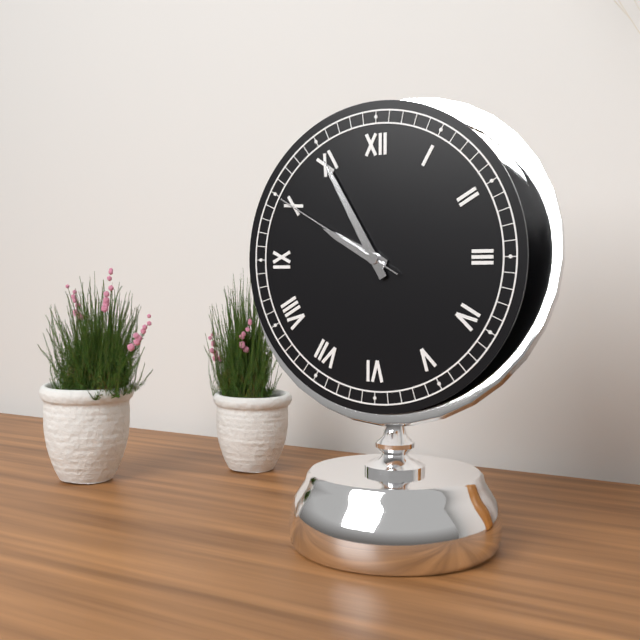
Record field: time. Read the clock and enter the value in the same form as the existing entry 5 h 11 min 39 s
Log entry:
9 h 55 min 50 s
